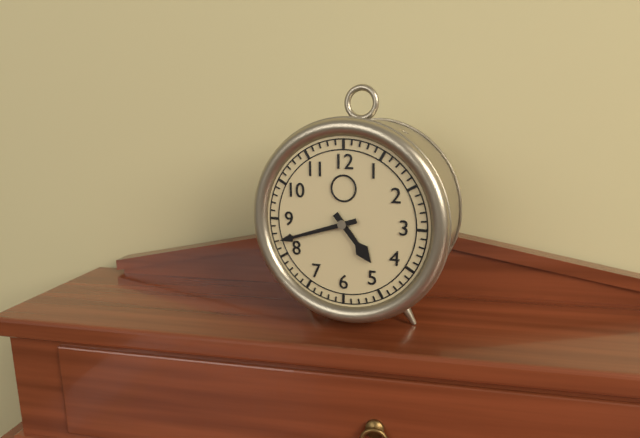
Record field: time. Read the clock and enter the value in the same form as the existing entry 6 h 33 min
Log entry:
4 h 42 min
